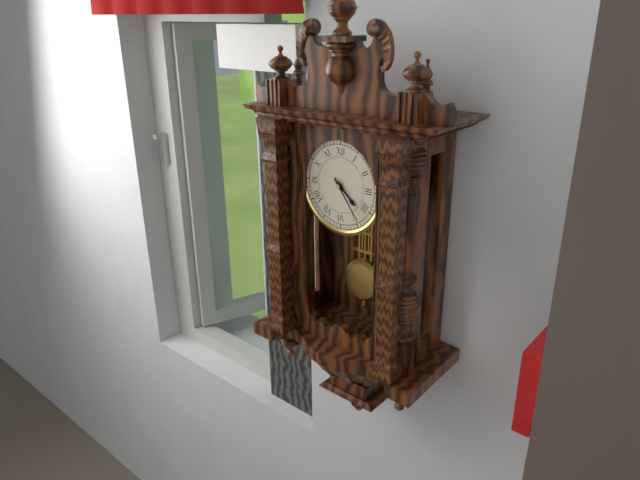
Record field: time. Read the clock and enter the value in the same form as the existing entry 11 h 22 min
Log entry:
4 h 24 min
